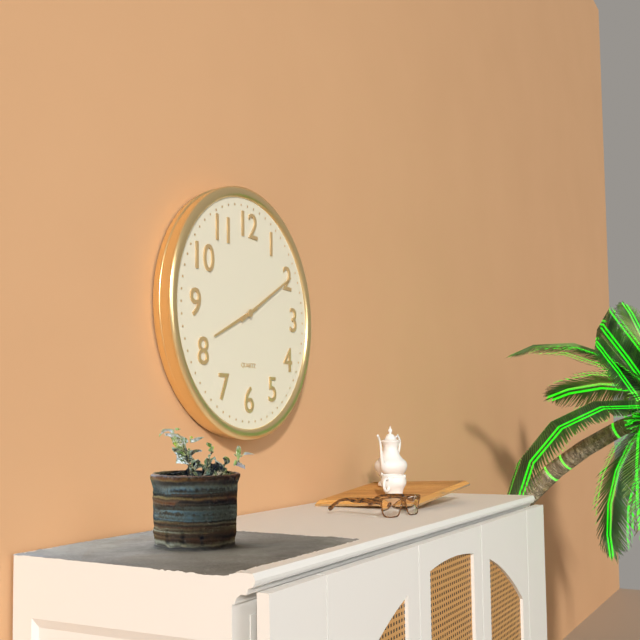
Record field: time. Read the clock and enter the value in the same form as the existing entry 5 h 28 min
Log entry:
8 h 10 min
